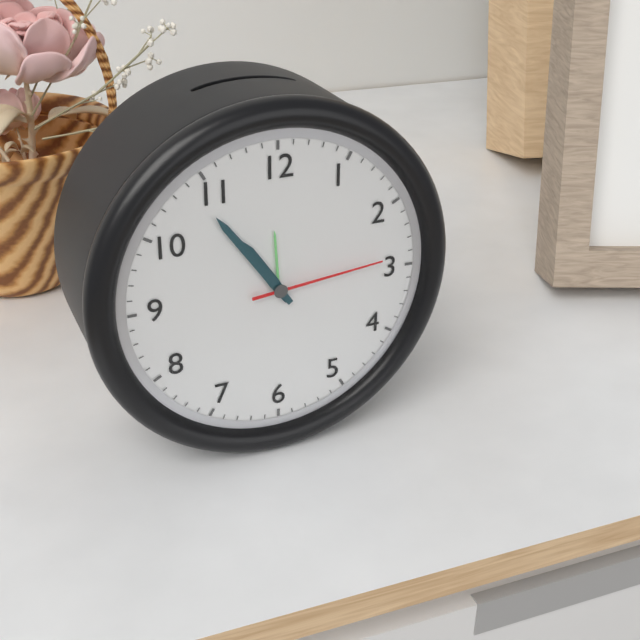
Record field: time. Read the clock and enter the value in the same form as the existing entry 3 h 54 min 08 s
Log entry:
10 h 54 min 14 s
